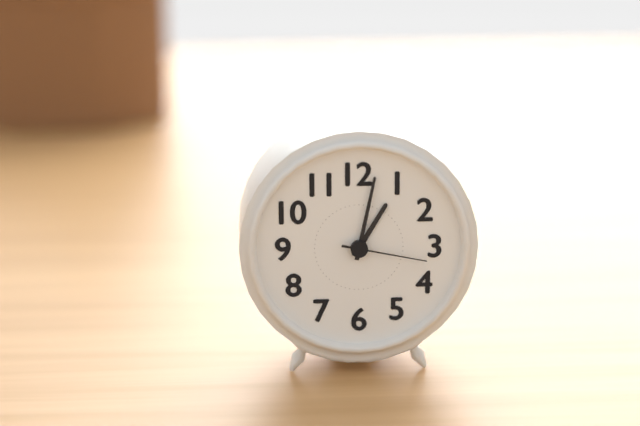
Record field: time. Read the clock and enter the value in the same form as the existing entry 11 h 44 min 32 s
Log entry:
1 h 02 min 17 s
